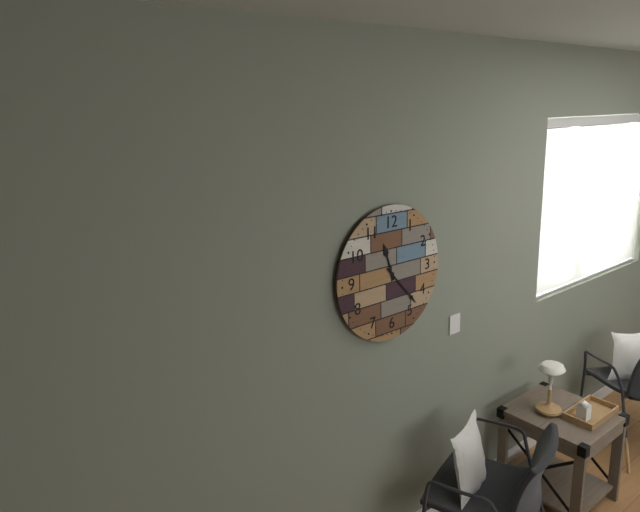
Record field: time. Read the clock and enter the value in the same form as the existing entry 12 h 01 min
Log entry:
11 h 23 min
